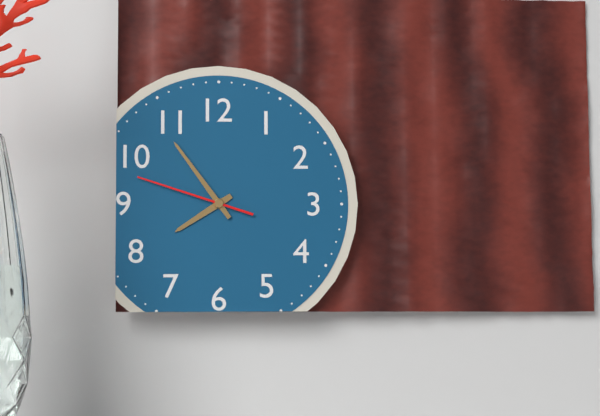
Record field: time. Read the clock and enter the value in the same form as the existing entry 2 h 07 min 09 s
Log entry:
7 h 54 min 48 s
